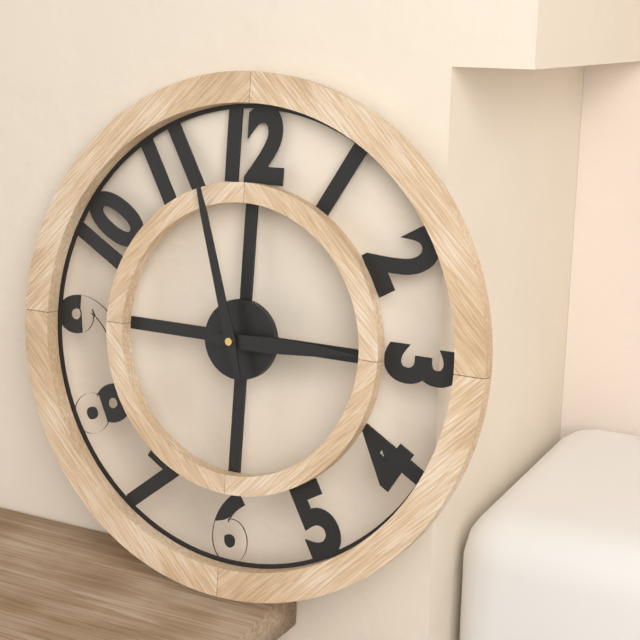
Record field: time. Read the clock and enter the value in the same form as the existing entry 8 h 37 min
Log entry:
2 h 57 min
